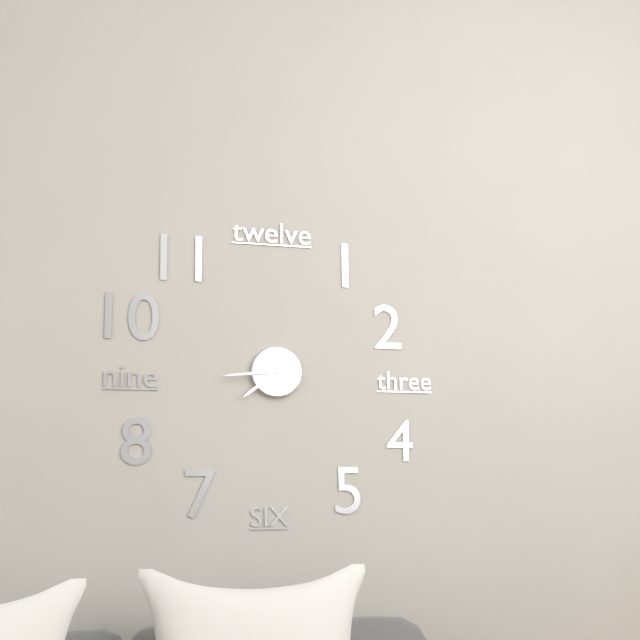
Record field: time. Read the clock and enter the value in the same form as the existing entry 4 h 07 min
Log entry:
7 h 44 min
